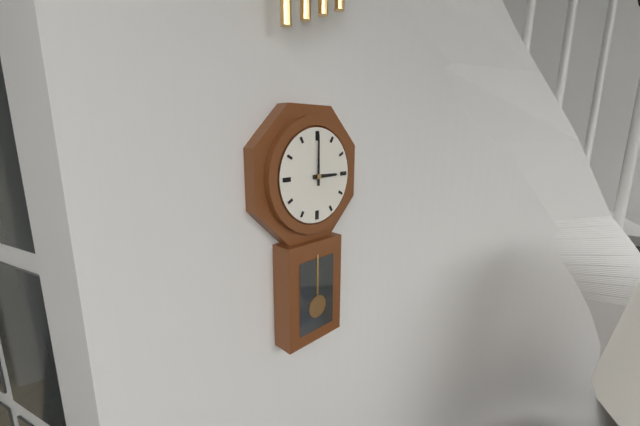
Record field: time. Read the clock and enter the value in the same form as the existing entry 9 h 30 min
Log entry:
3 h 00 min
